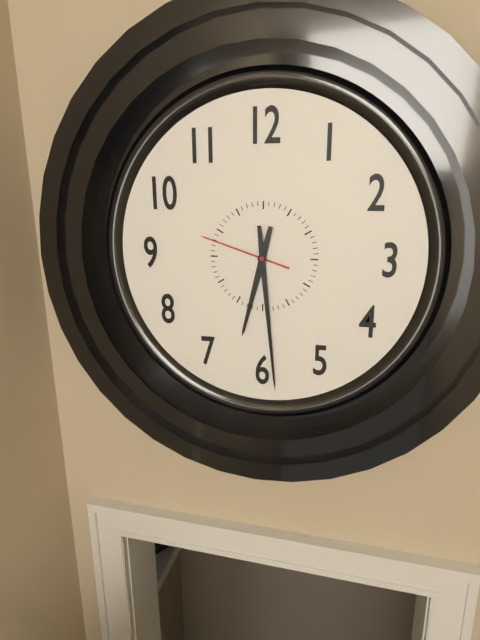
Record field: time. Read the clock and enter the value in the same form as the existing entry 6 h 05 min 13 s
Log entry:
6 h 29 min 48 s
